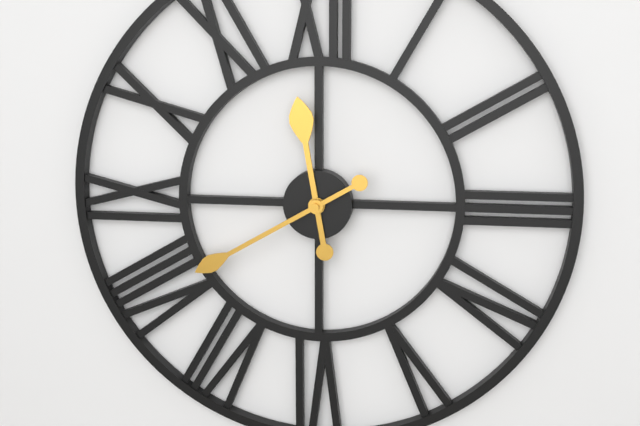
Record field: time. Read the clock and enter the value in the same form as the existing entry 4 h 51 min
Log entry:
11 h 40 min
